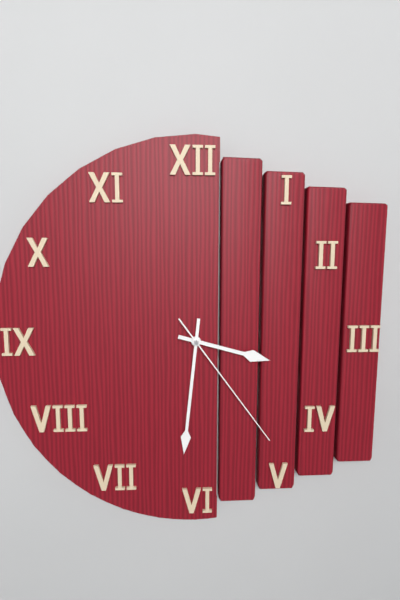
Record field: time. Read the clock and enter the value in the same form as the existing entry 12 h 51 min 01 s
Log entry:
3 h 31 min 24 s
